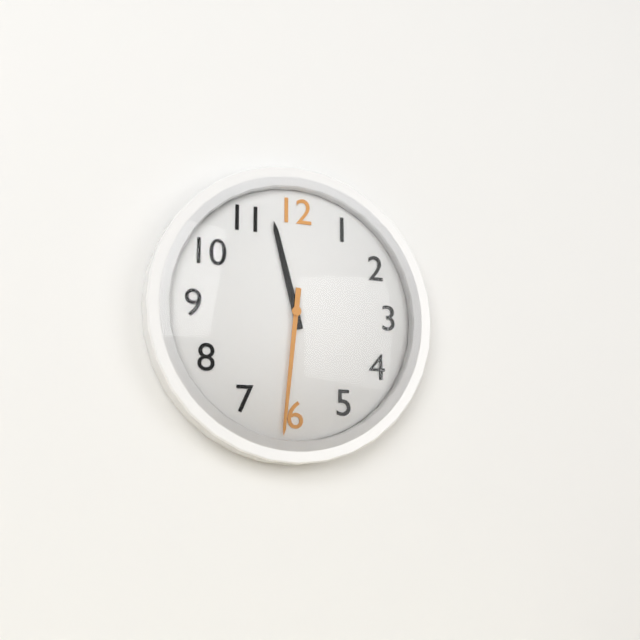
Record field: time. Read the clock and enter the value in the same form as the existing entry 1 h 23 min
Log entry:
11 h 31 min
